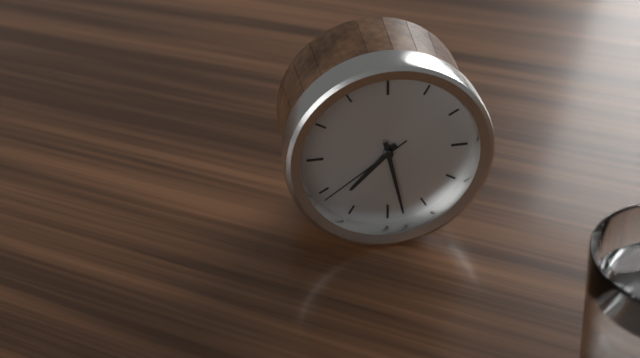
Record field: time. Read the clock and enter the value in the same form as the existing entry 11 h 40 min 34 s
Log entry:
7 h 28 min 39 s
